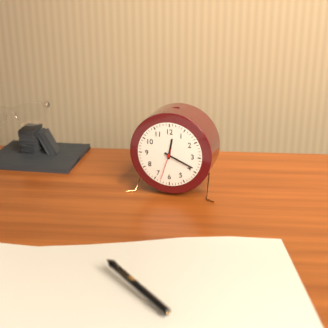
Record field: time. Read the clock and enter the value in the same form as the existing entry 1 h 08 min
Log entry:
12 h 19 min
